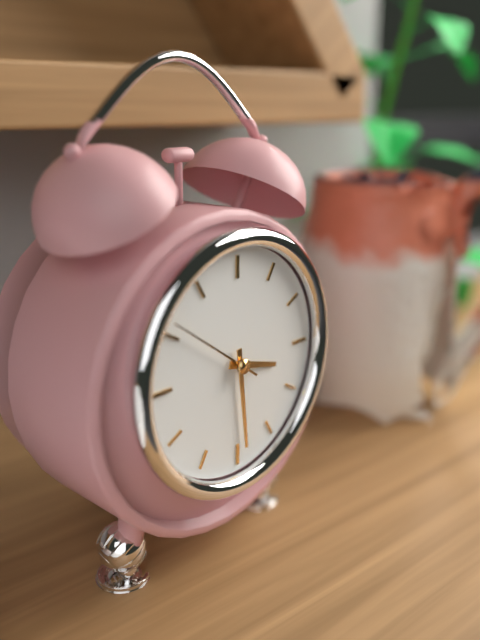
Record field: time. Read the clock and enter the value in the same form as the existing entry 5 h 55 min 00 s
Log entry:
3 h 29 min 51 s
